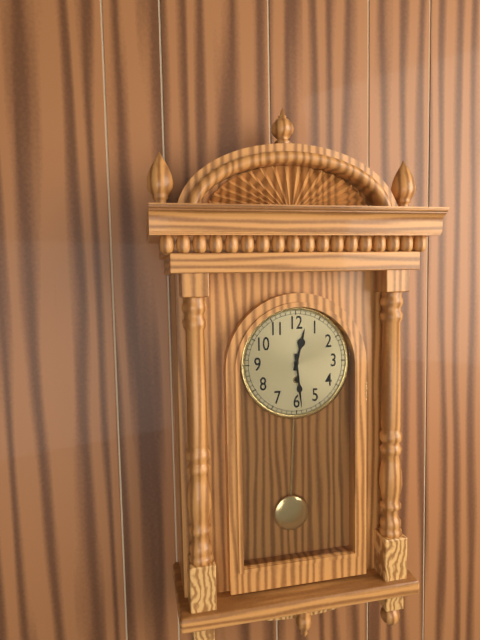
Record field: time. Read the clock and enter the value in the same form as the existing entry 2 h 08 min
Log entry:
12 h 29 min
